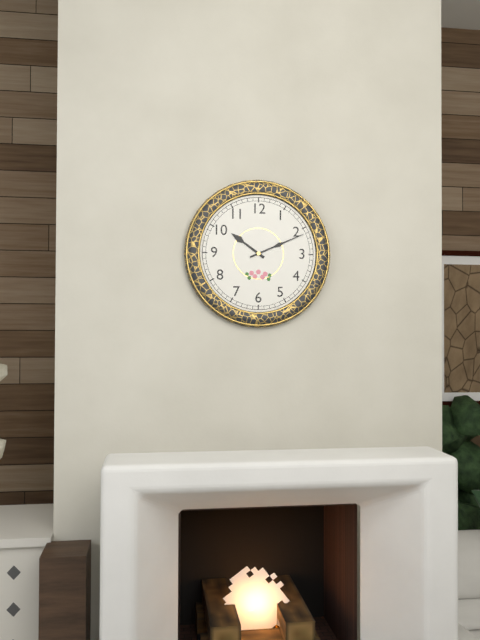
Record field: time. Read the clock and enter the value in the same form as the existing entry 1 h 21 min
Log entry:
10 h 11 min
